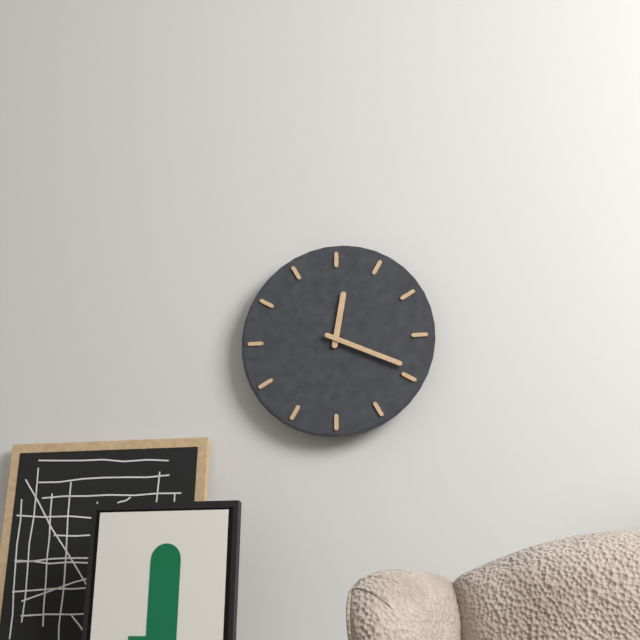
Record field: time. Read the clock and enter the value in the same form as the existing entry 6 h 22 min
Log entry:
12 h 19 min
